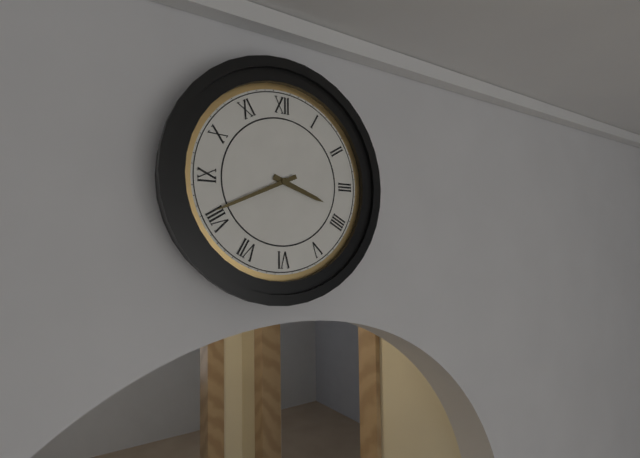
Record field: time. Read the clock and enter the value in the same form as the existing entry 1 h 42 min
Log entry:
3 h 41 min
